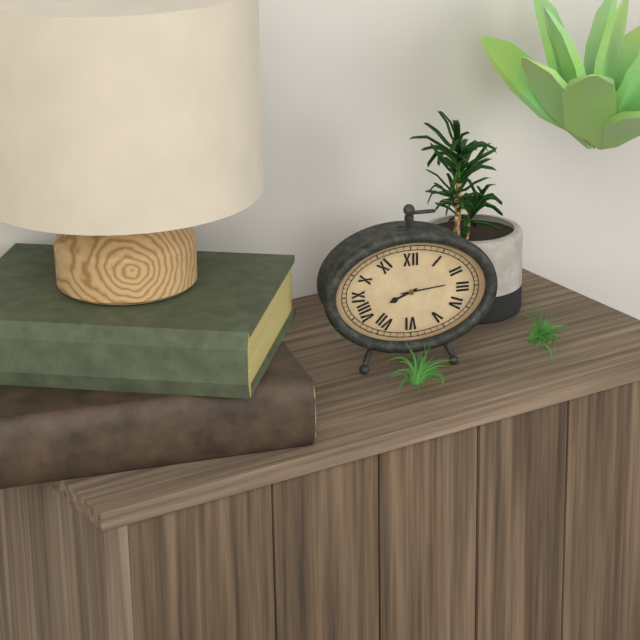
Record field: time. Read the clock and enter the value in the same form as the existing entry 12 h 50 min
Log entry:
8 h 14 min
